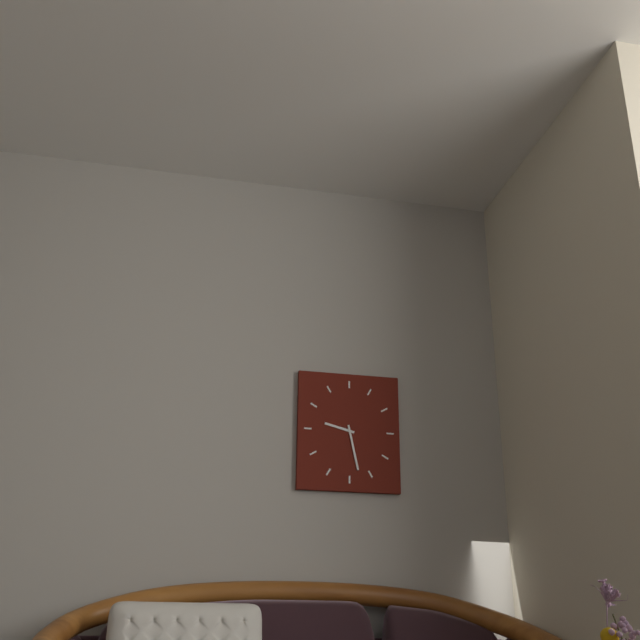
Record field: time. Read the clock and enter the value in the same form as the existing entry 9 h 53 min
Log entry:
9 h 28 min
